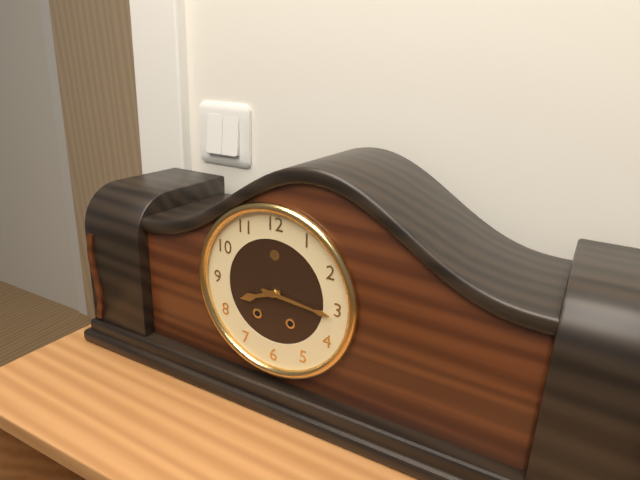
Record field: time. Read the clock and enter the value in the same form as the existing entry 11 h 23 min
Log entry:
8 h 16 min
